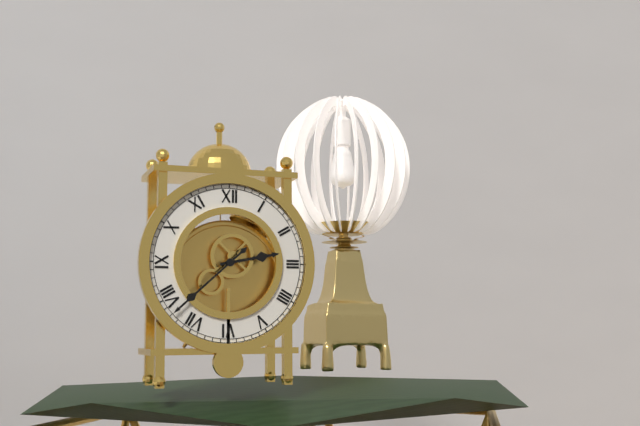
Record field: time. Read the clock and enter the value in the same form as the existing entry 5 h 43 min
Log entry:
2 h 38 min
